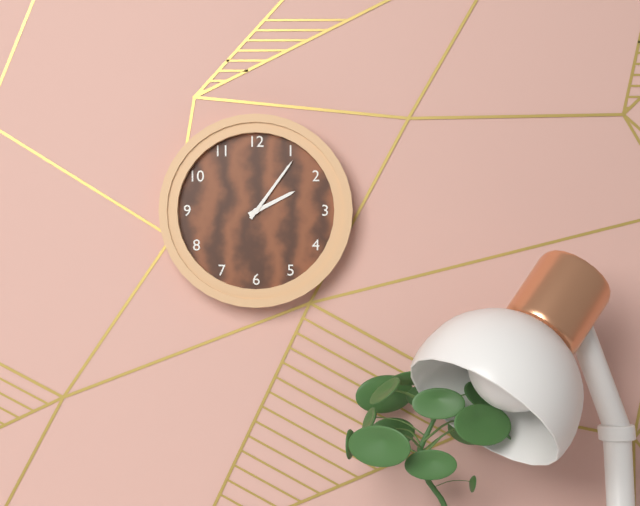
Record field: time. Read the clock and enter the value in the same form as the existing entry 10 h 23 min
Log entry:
2 h 06 min
